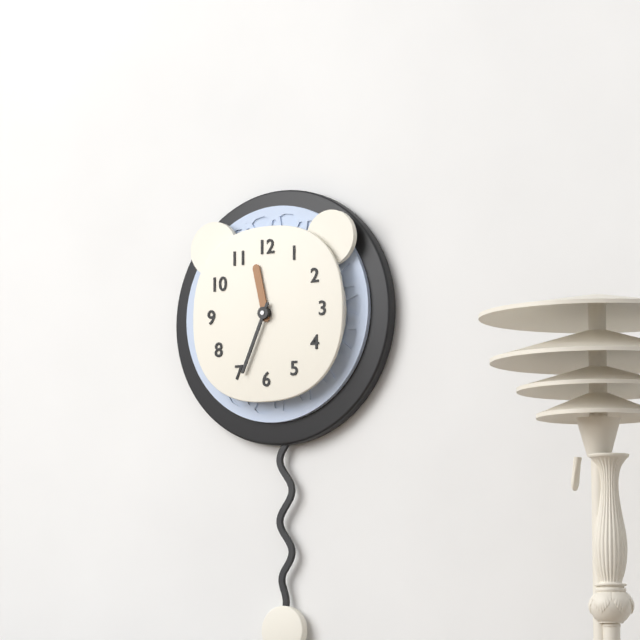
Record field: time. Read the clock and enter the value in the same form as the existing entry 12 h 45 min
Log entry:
11 h 34 min
